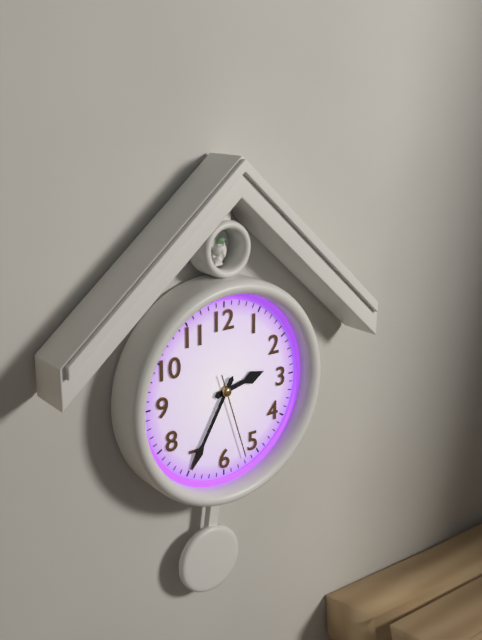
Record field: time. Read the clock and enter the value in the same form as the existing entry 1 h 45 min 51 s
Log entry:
2 h 35 min 27 s
